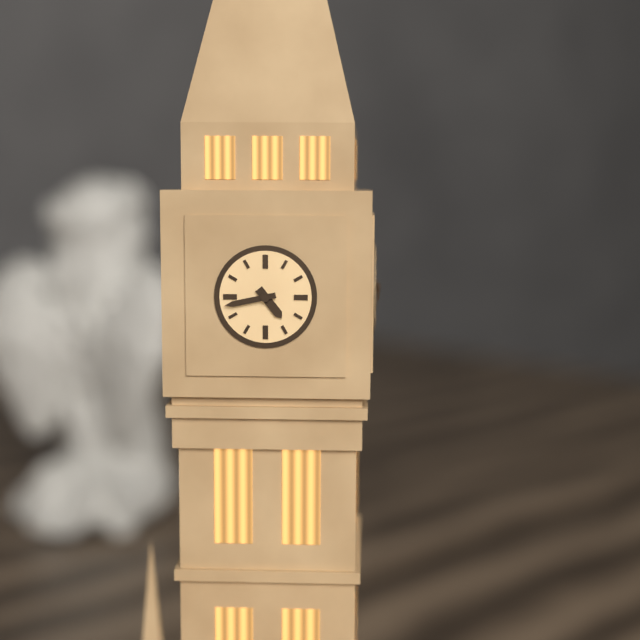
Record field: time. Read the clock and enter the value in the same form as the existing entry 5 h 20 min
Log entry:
4 h 43 min
